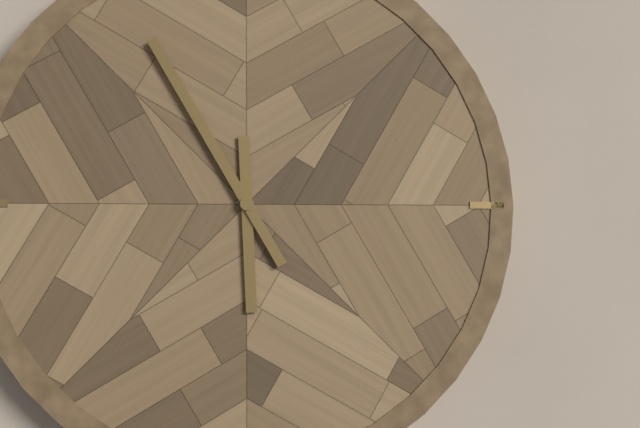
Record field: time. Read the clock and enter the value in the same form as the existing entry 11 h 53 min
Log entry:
5 h 55 min
